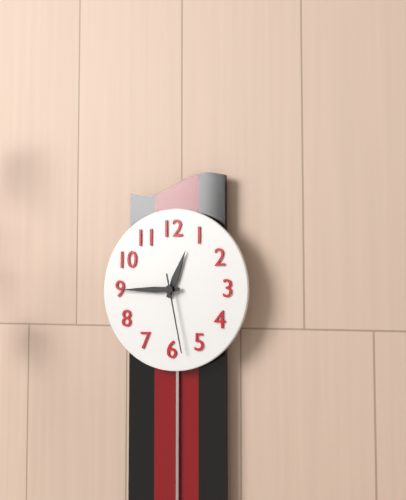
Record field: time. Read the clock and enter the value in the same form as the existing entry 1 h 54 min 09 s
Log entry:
12 h 45 min 28 s
